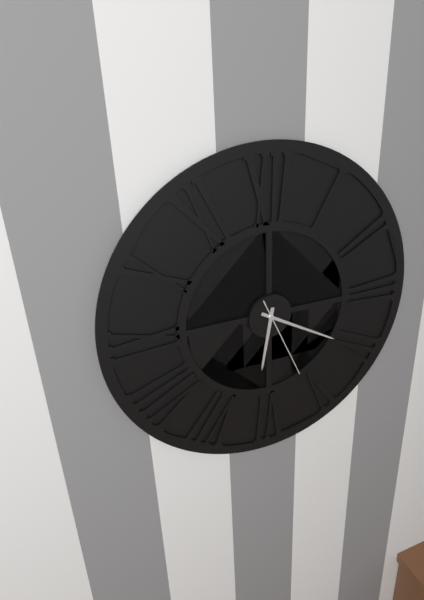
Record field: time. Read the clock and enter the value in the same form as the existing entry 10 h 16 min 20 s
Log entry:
6 h 20 min 26 s
